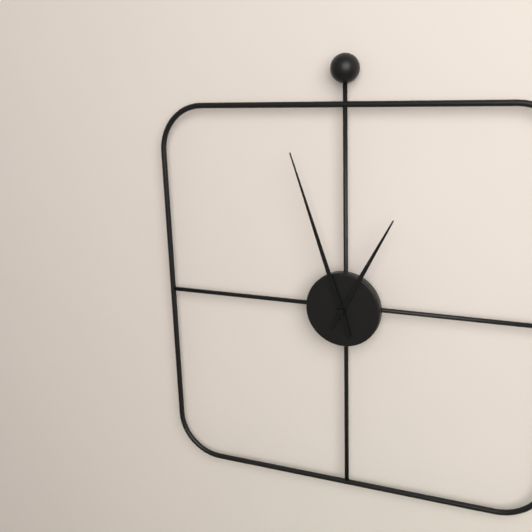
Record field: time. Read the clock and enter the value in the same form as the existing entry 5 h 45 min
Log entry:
12 h 57 min
